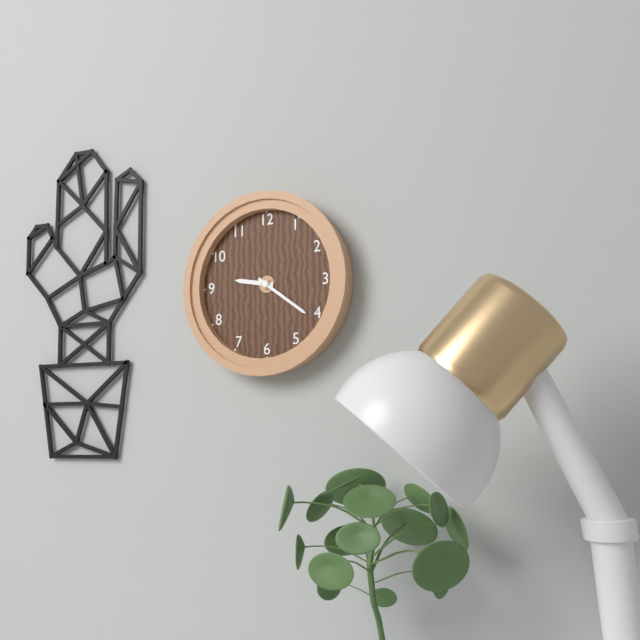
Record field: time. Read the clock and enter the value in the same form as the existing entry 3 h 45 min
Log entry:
9 h 21 min
